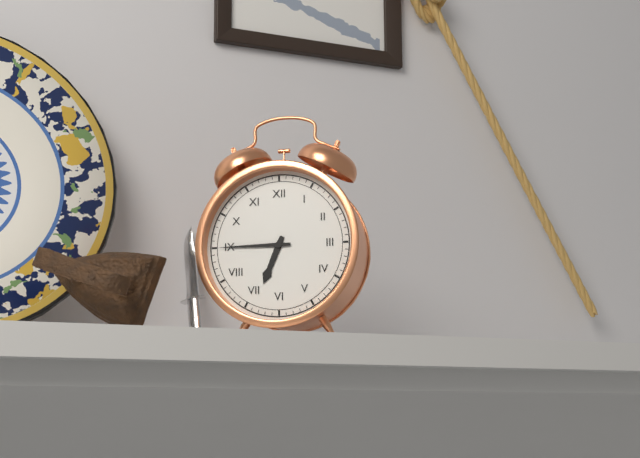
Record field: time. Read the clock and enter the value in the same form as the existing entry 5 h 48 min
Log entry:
6 h 45 min
